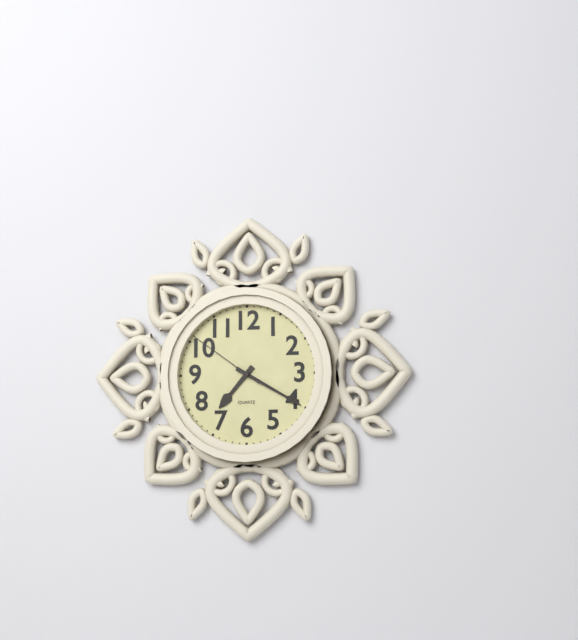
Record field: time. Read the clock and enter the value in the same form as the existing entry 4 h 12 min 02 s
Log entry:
7 h 20 min 51 s
